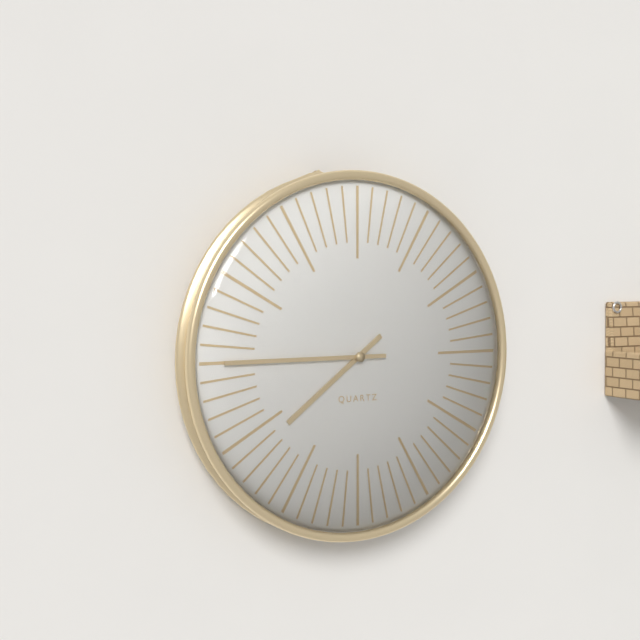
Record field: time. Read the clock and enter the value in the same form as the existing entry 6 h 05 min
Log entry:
7 h 45 min
